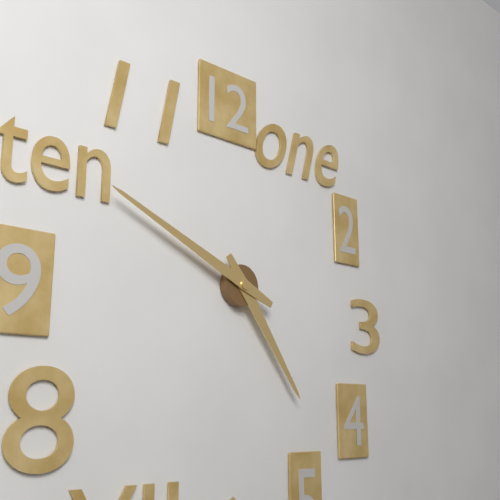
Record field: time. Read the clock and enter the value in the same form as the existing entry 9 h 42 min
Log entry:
4 h 49 min
